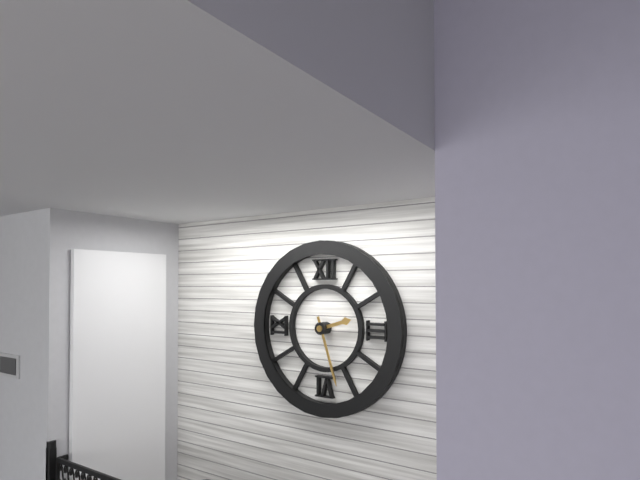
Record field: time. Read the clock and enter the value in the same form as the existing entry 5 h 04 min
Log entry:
2 h 27 min
